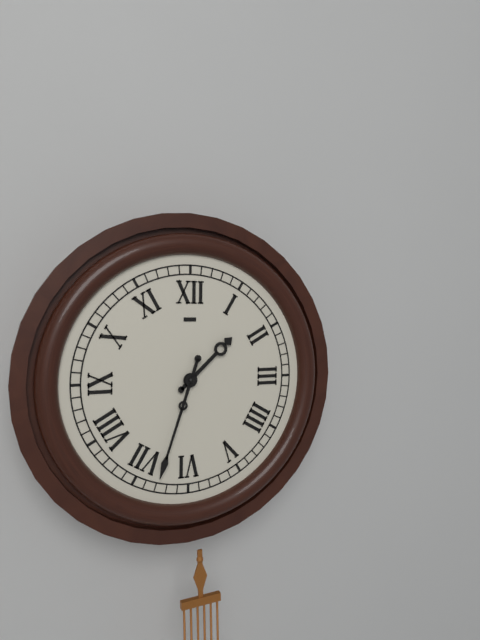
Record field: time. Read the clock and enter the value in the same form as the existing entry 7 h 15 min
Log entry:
1 h 33 min
